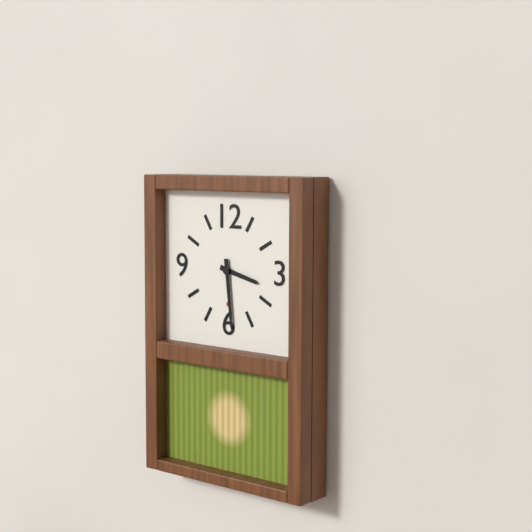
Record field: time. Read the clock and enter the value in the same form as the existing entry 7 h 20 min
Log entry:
3 h 29 min
